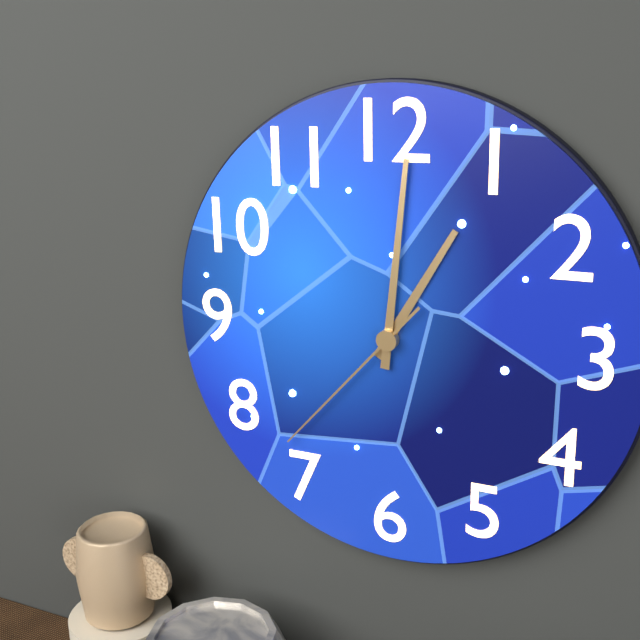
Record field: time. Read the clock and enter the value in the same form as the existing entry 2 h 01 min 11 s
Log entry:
1 h 01 min 37 s
